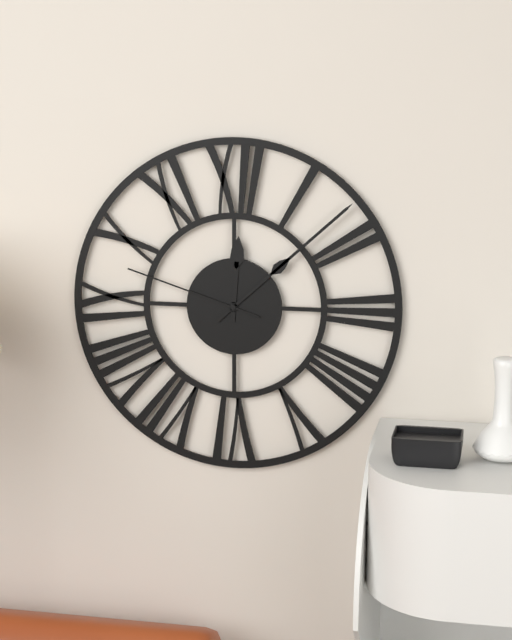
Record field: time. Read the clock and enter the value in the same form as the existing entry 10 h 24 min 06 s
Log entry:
12 h 08 min 48 s
